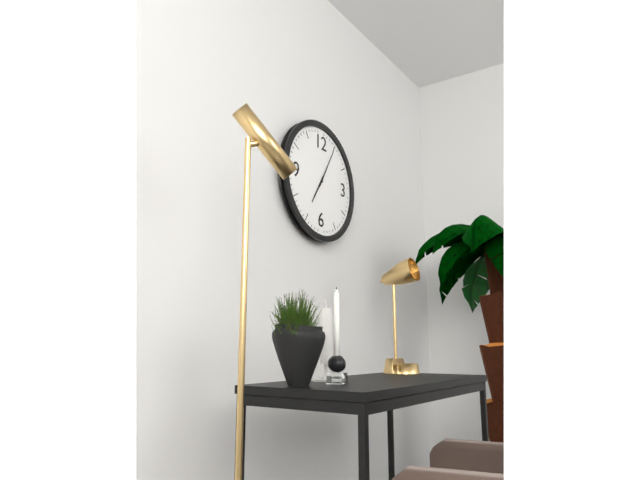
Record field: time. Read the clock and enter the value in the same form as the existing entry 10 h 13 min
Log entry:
7 h 05 min
